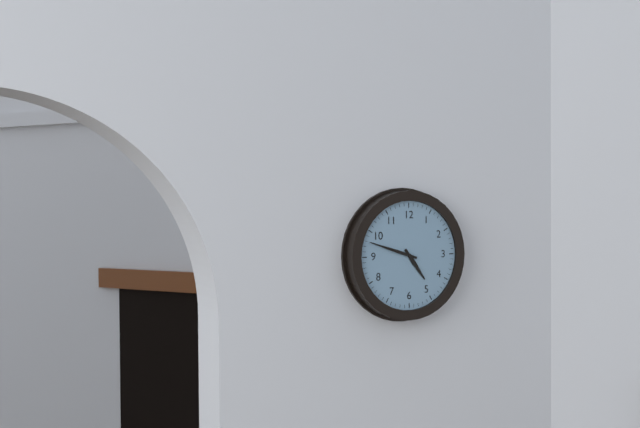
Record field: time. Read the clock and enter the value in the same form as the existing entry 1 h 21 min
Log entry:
4 h 48 min
